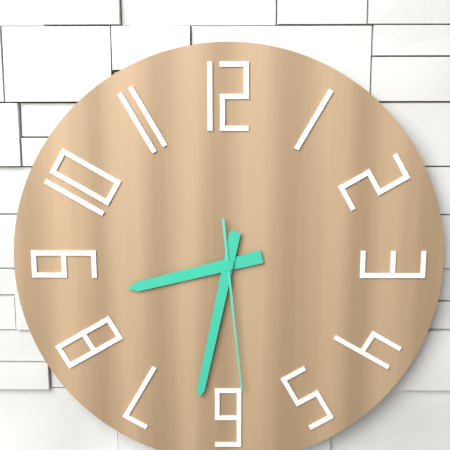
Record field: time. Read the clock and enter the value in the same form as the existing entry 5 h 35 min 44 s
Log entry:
8 h 32 min 29 s
